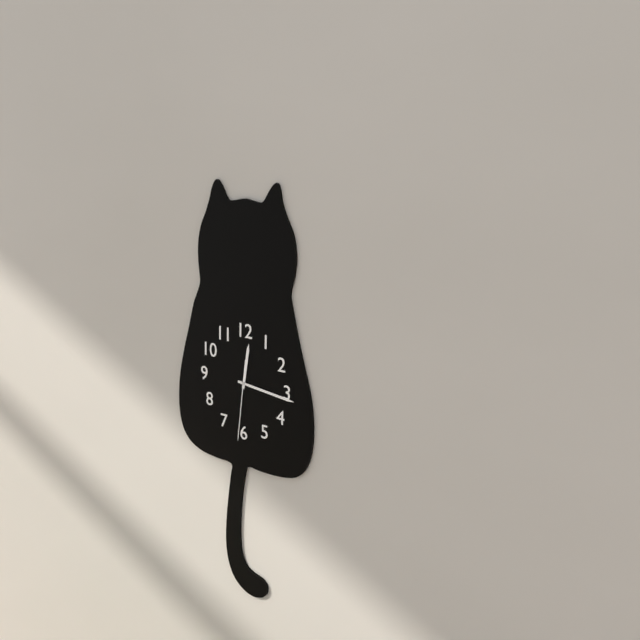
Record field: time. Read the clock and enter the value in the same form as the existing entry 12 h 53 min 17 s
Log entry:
12 h 16 min 31 s
